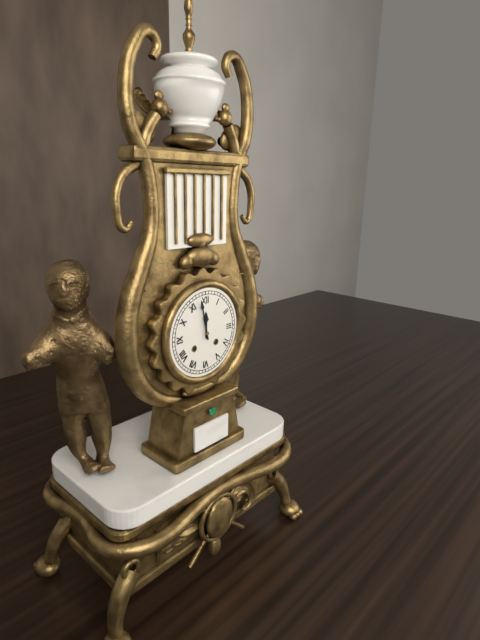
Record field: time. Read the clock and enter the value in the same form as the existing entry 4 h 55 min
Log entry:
11 h 58 min
